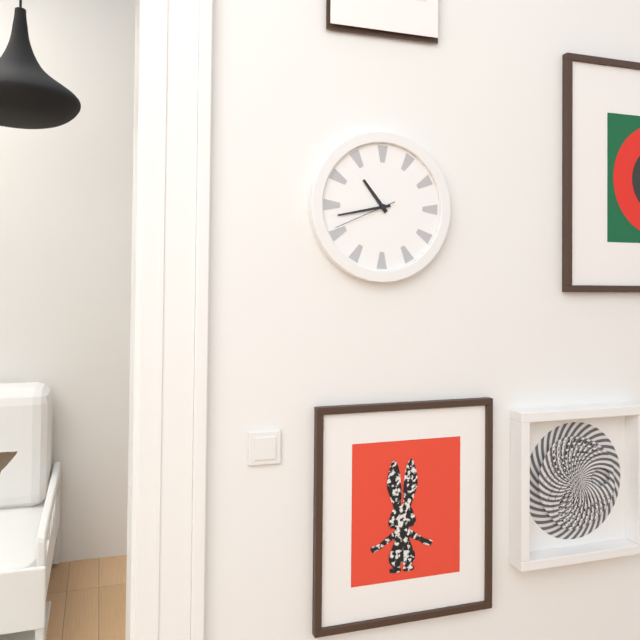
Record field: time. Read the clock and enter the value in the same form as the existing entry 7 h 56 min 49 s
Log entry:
10 h 43 min 41 s
